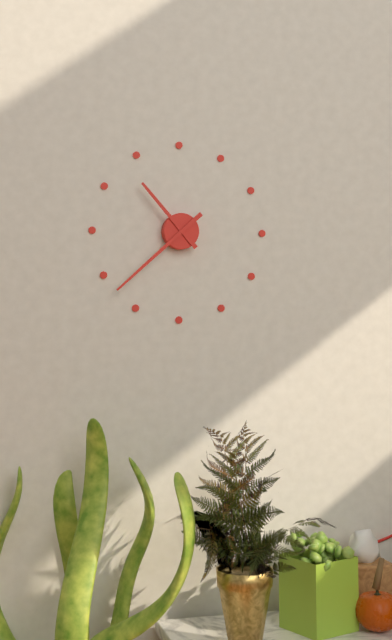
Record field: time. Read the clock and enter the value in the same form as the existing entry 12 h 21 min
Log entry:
10 h 38 min
